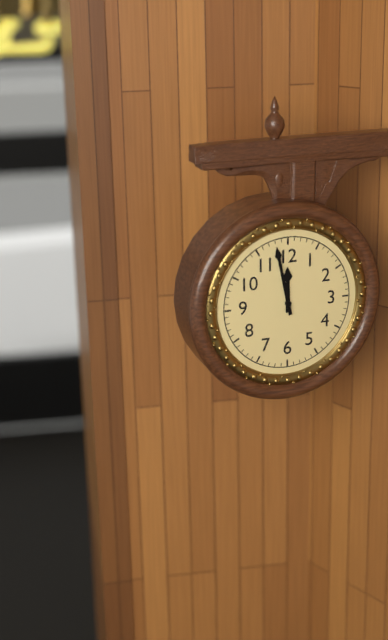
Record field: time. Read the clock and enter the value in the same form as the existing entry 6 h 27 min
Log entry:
11 h 58 min
